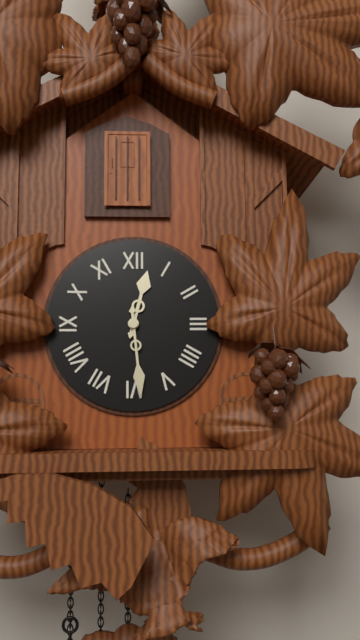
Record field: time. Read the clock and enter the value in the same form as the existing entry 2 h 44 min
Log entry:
12 h 29 min
